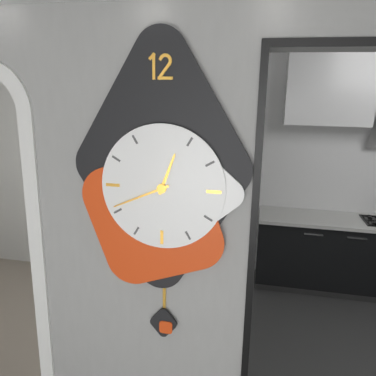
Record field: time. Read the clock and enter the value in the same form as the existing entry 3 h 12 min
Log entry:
12 h 41 min
